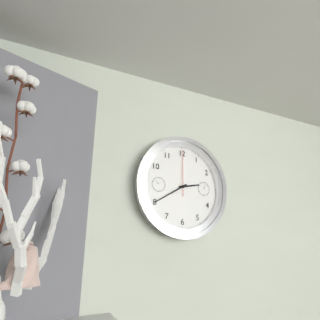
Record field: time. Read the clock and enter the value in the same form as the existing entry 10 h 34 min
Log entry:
2 h 40 min
